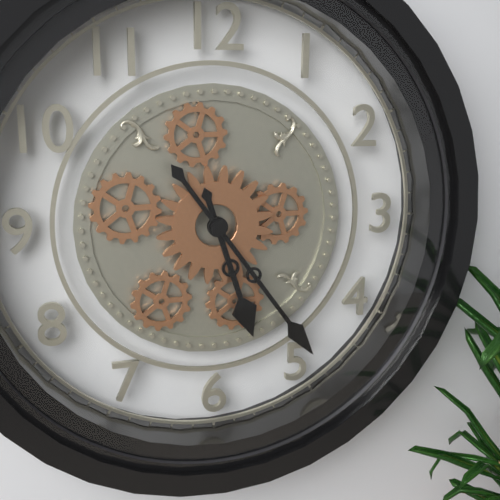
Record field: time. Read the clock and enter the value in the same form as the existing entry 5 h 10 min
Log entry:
5 h 24 min
